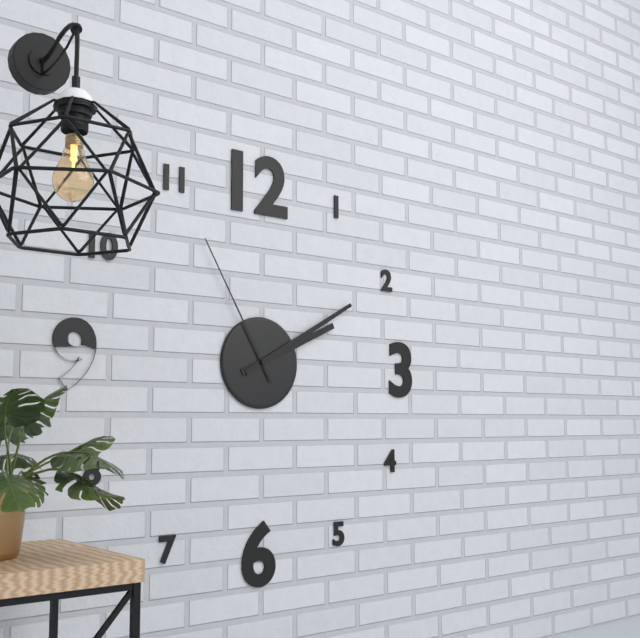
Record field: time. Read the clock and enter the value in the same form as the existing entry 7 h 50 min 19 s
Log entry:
2 h 10 min 55 s
